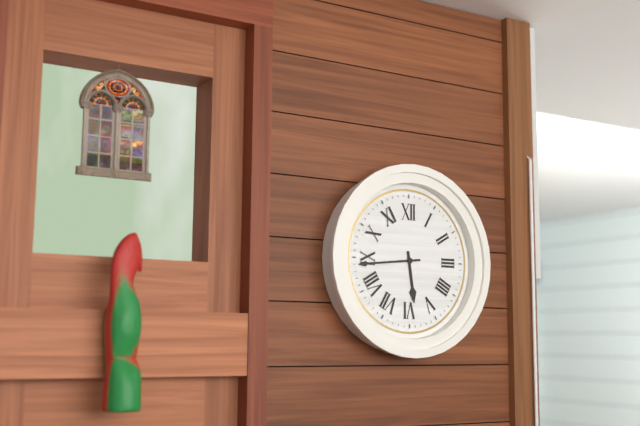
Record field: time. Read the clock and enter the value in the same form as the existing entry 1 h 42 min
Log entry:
5 h 44 min
